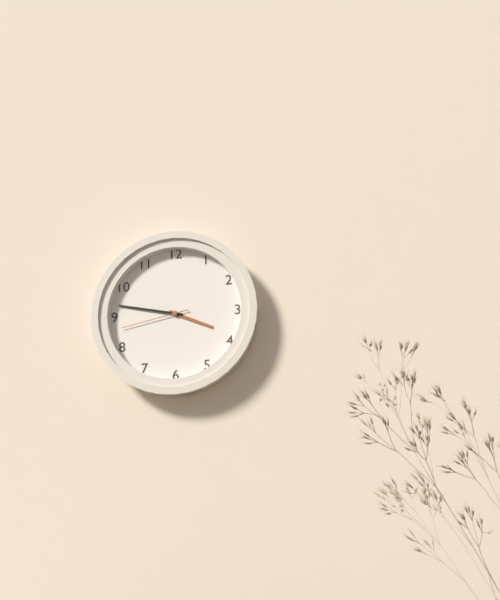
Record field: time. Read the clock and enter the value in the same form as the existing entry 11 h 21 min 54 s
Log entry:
3 h 47 min 43 s
